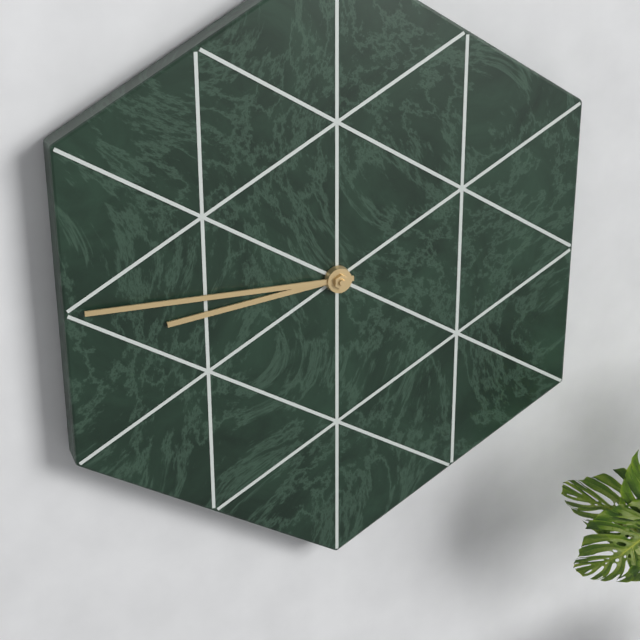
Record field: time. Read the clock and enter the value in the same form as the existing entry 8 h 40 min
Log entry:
8 h 45 min
